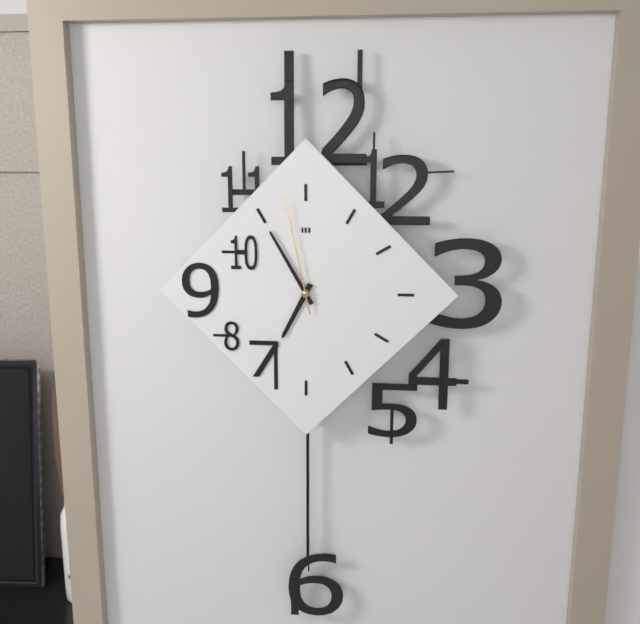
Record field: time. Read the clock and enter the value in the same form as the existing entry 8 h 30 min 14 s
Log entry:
6 h 55 min 58 s
